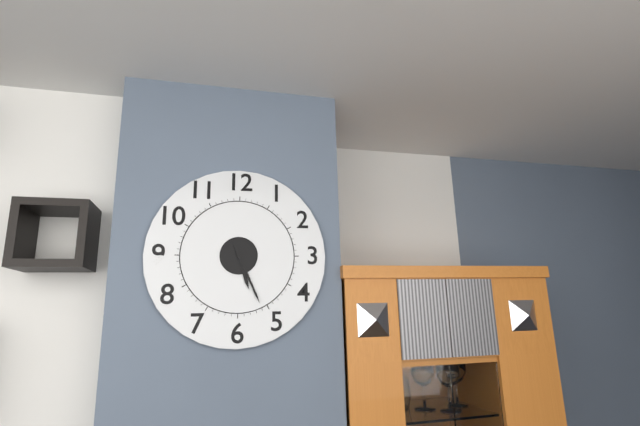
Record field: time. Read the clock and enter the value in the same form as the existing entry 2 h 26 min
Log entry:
5 h 26 min
